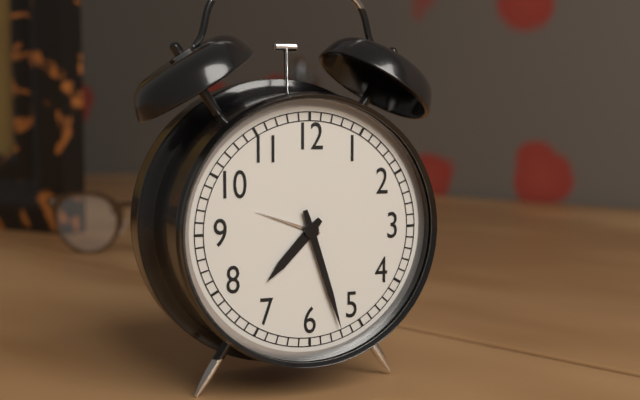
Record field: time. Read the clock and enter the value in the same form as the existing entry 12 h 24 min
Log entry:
7 h 27 min
